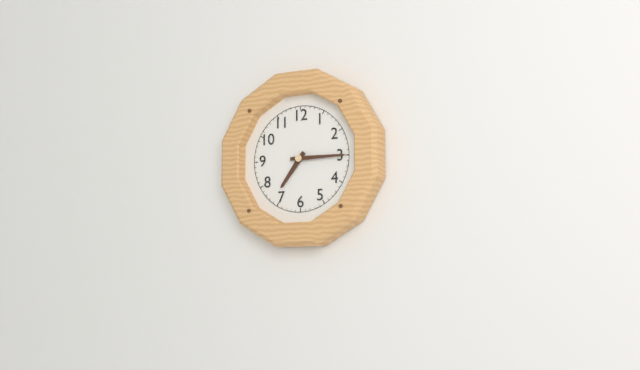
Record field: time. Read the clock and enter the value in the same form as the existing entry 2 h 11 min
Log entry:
7 h 15 min
